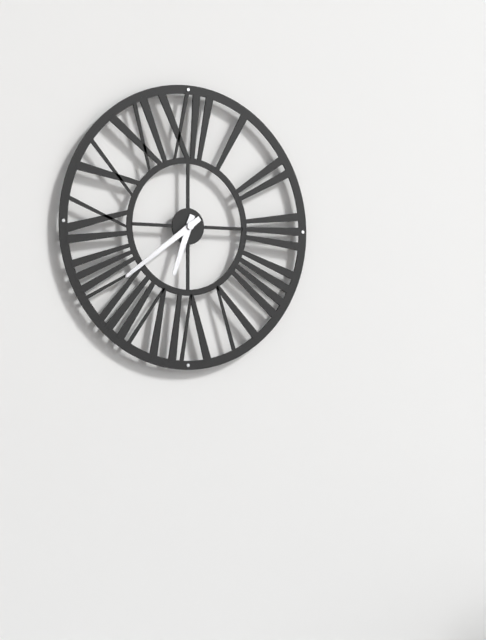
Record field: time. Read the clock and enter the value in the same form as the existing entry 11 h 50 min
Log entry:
6 h 39 min
